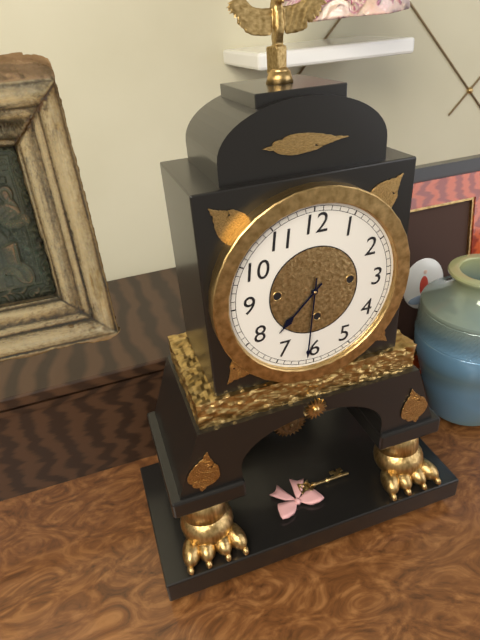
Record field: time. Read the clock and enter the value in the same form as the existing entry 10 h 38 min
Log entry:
7 h 31 min
